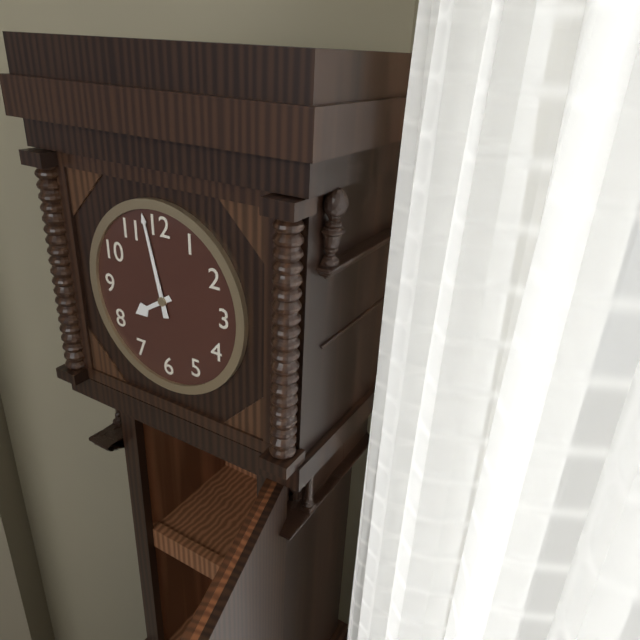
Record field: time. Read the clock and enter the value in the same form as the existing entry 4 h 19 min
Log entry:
7 h 58 min
